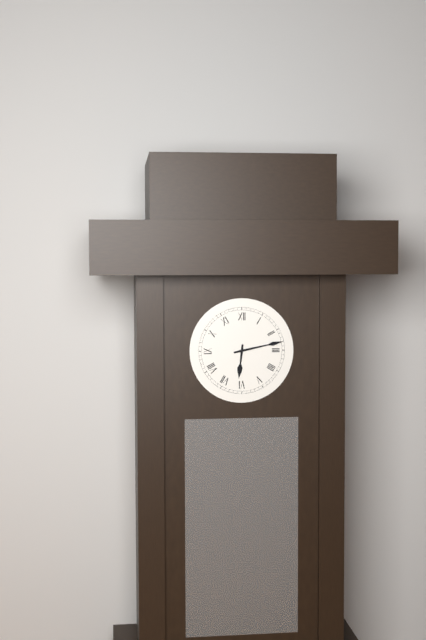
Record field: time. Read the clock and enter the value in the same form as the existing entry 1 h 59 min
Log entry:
6 h 13 min
